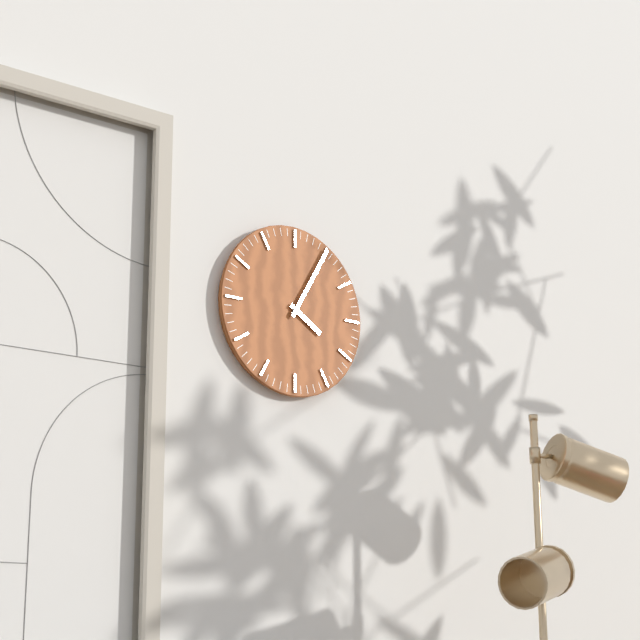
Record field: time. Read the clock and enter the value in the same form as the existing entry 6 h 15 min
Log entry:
4 h 05 min
